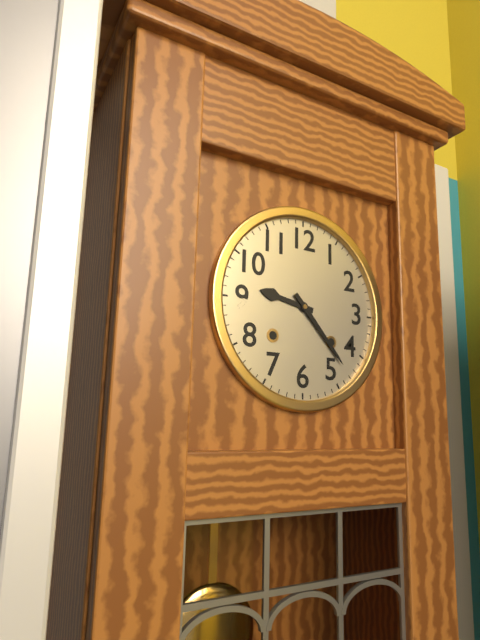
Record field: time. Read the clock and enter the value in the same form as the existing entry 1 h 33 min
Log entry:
9 h 23 min
